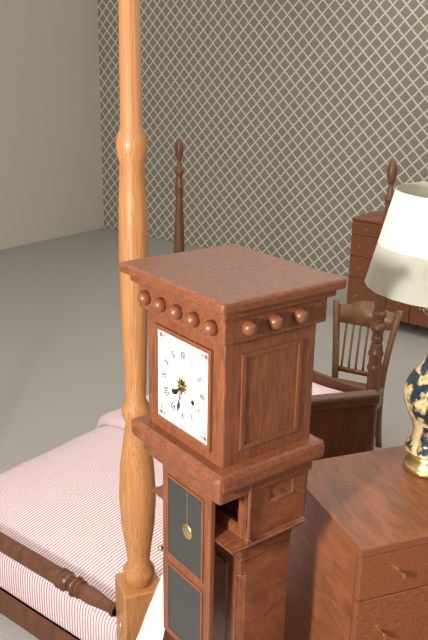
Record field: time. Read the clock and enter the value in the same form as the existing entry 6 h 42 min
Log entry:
7 h 32 min
